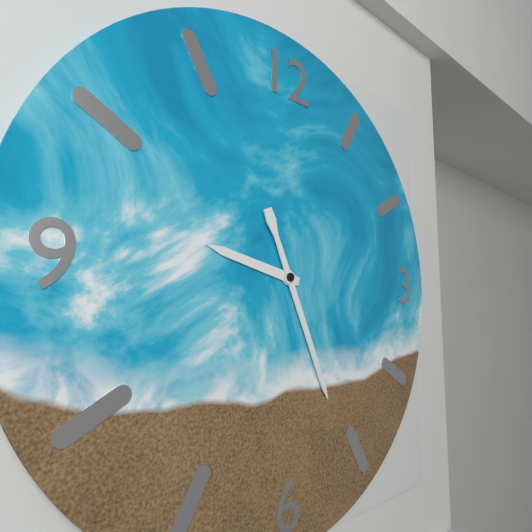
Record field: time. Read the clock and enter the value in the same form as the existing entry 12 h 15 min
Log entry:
9 h 26 min
